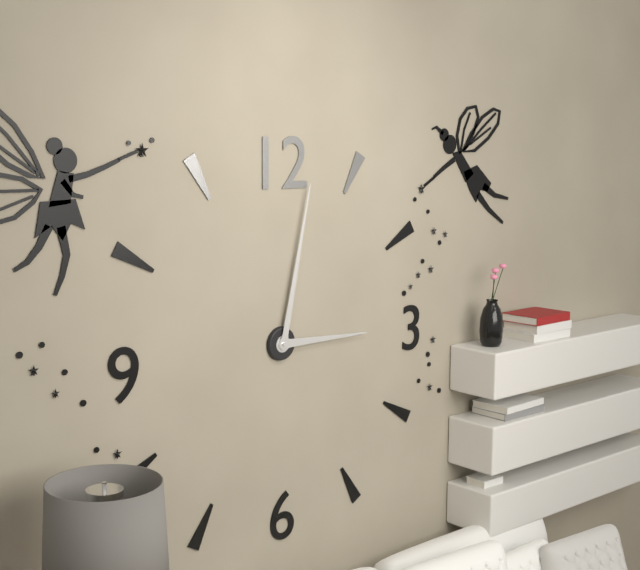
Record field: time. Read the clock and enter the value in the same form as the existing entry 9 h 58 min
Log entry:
3 h 02 min
